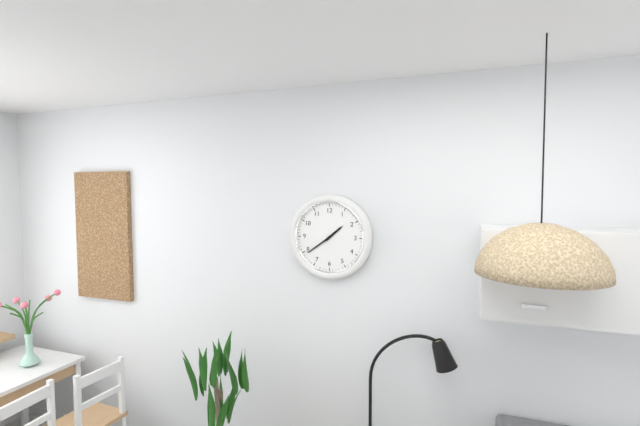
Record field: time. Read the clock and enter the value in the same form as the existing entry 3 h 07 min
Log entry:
1 h 39 min
